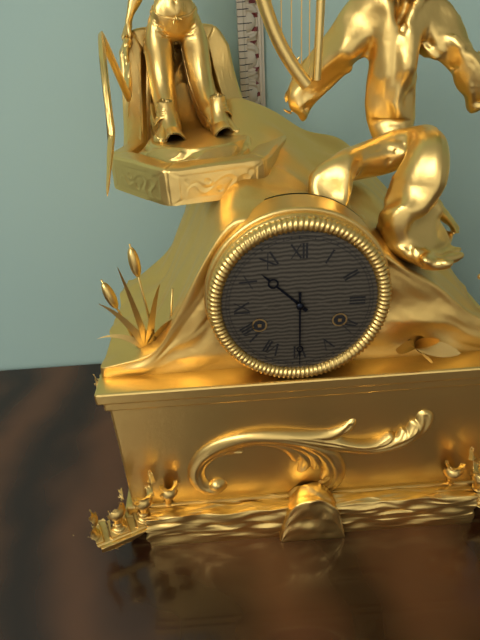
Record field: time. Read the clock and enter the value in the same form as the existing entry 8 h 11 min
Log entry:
10 h 30 min
